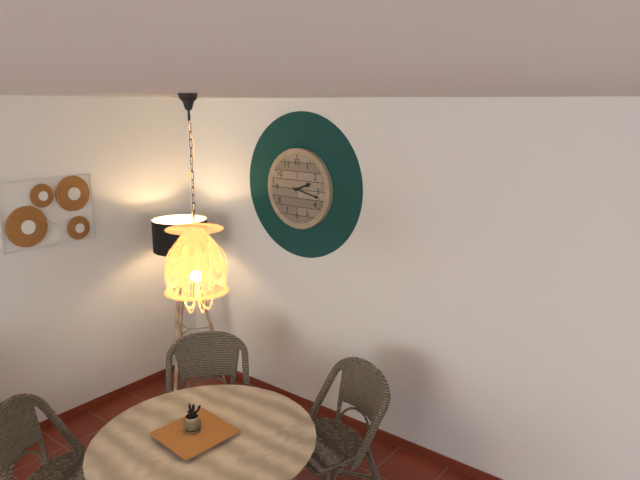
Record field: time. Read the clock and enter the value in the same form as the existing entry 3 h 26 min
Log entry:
2 h 17 min
